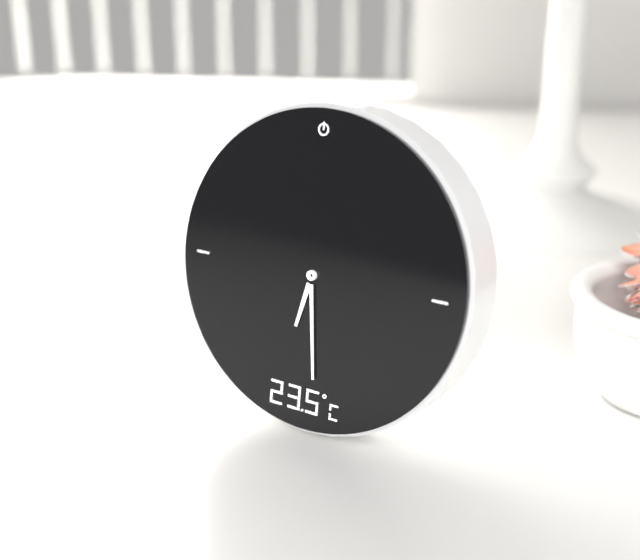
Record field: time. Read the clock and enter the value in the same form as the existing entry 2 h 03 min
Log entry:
6 h 29 min
